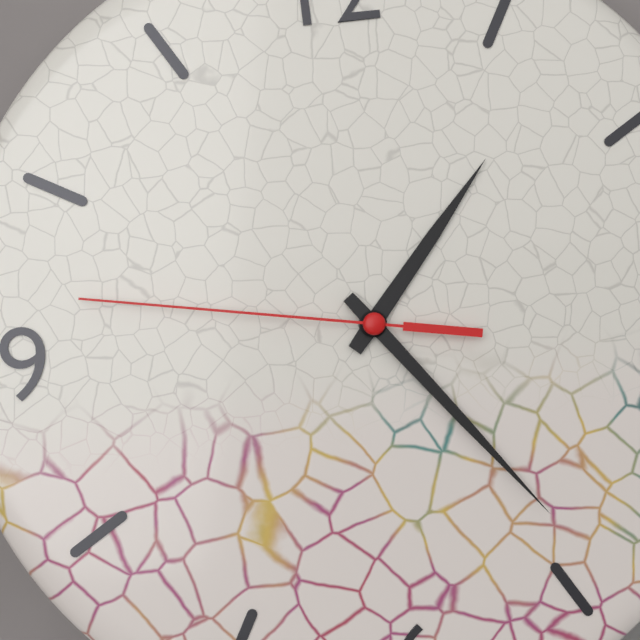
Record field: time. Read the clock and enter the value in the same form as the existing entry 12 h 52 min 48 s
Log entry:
1 h 24 min 47 s
